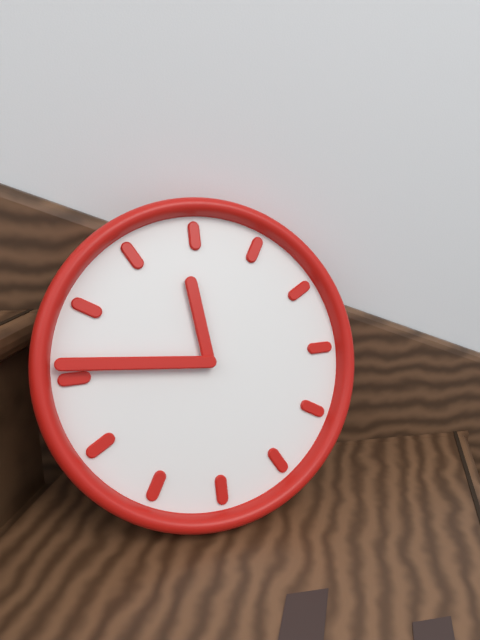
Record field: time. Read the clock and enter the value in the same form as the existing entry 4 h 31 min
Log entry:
11 h 46 min
